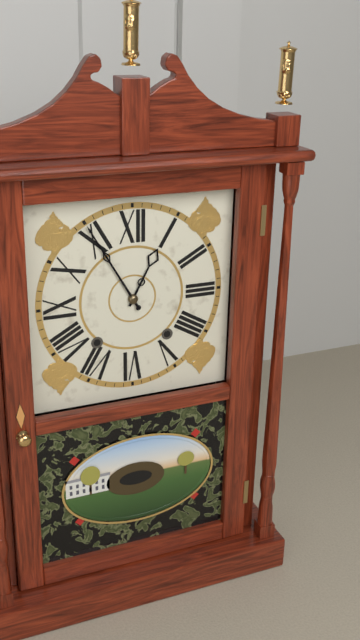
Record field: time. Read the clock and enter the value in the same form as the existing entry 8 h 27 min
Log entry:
12 h 55 min
